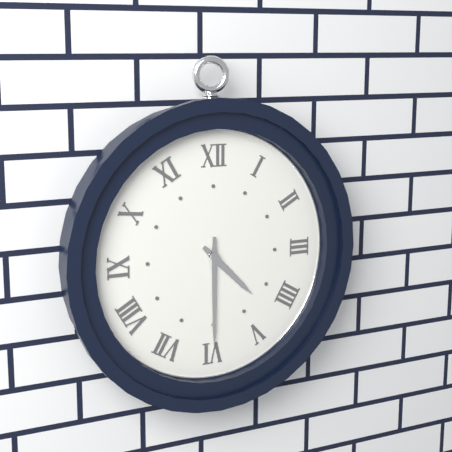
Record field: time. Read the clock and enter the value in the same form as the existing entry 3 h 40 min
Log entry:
4 h 30 min
